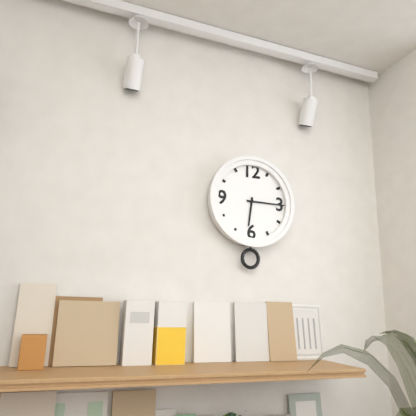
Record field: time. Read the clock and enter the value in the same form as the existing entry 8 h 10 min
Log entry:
6 h 15 min
